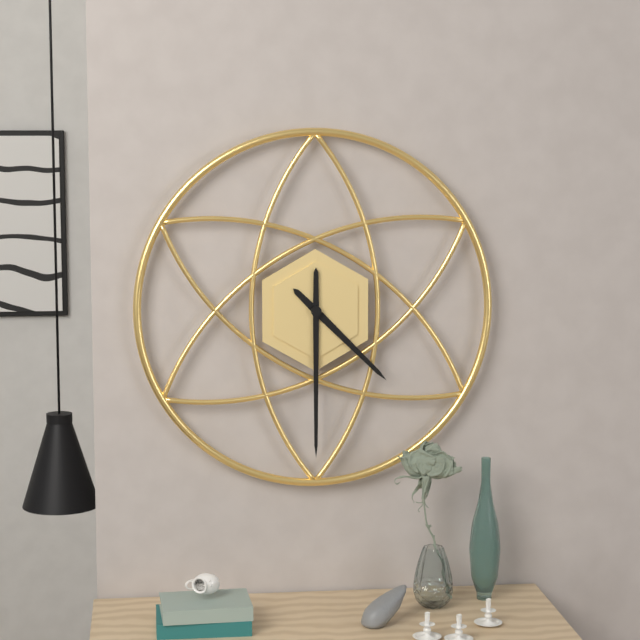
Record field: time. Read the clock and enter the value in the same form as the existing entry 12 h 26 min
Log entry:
4 h 30 min
